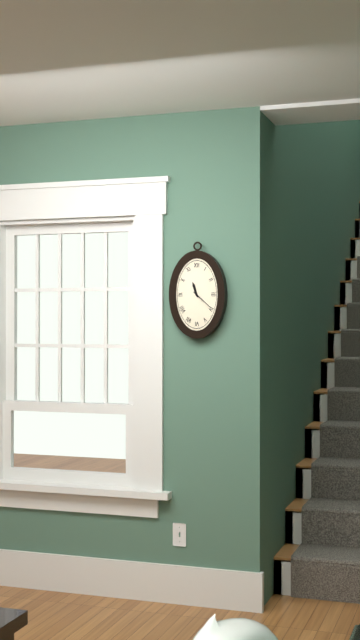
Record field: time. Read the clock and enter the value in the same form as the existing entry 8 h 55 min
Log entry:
11 h 22 min
